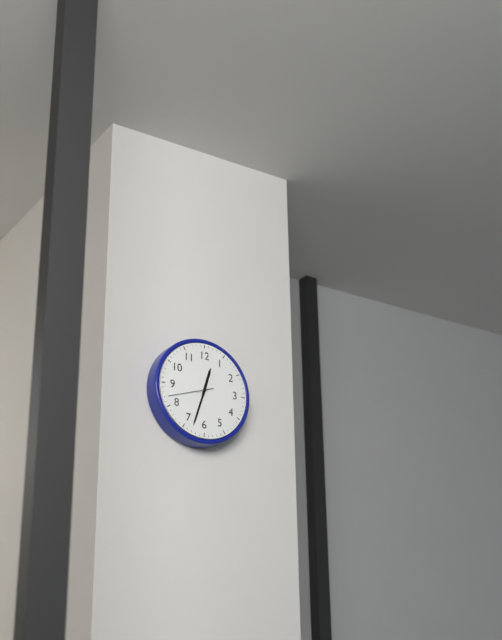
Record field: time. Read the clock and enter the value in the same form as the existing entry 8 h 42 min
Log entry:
12 h 33 min
